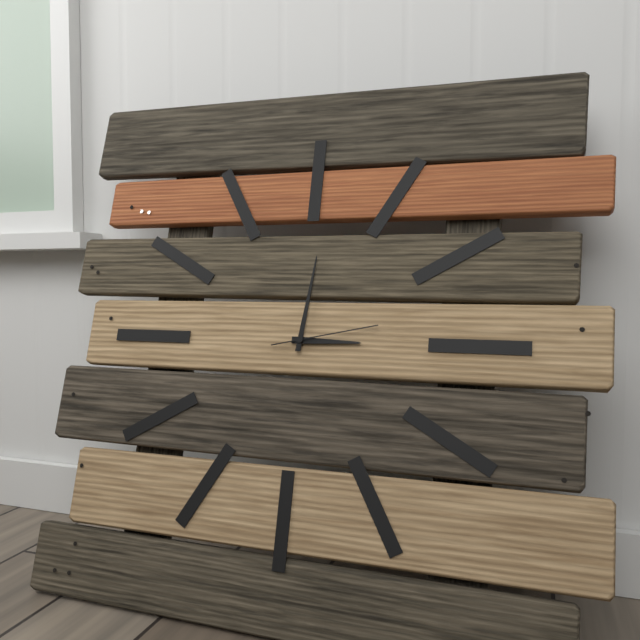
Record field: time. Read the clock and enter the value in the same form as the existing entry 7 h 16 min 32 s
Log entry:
3 h 01 min 13 s
